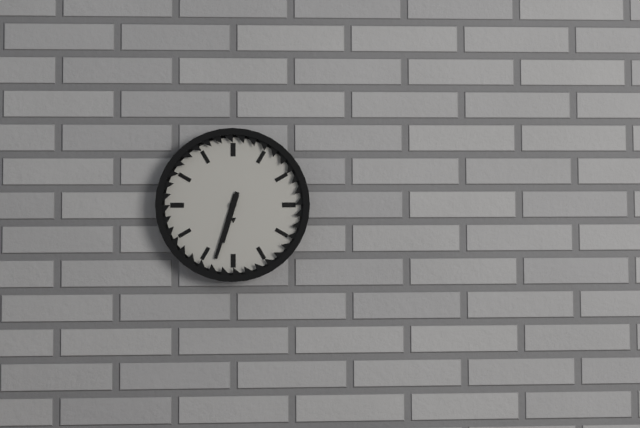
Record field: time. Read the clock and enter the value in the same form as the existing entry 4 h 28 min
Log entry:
6 h 33 min
